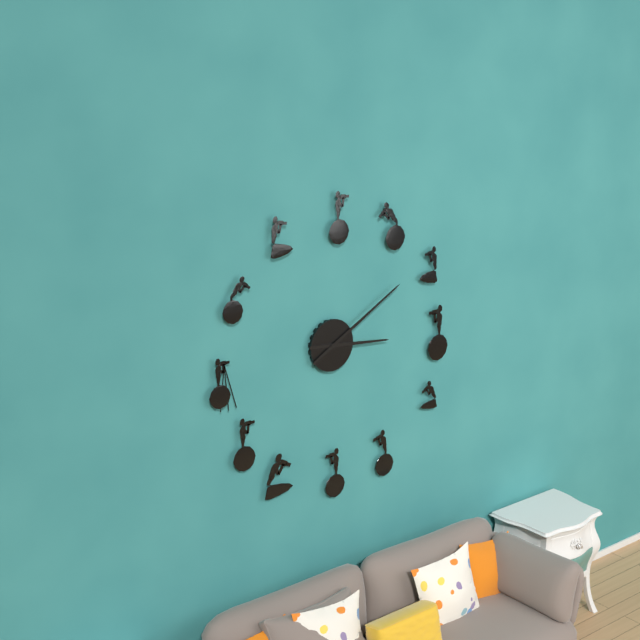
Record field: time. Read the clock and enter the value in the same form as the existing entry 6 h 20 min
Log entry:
3 h 10 min
